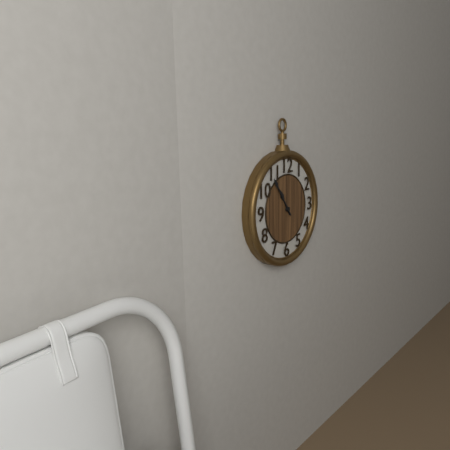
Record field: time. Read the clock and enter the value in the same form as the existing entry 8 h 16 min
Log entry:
10 h 54 min
